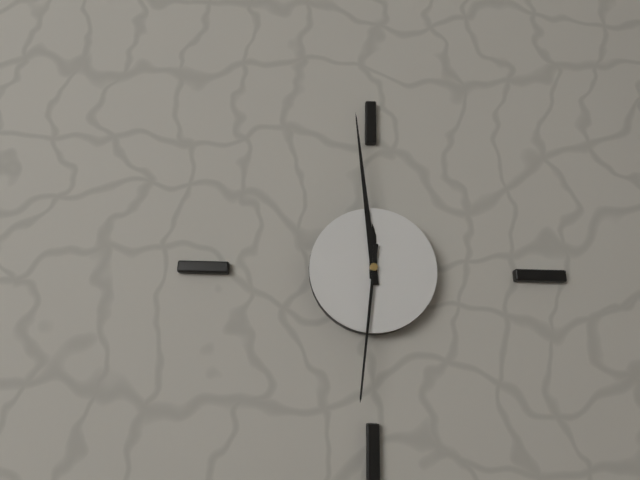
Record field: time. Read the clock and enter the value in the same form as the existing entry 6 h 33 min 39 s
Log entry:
11 h 59 min 31 s
